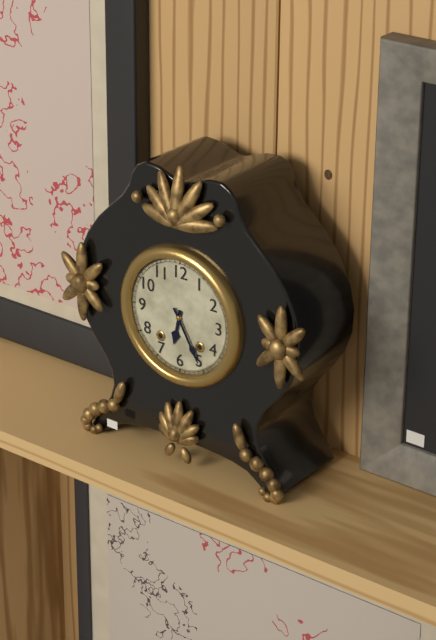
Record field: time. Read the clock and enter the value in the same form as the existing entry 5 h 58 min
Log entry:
6 h 25 min
